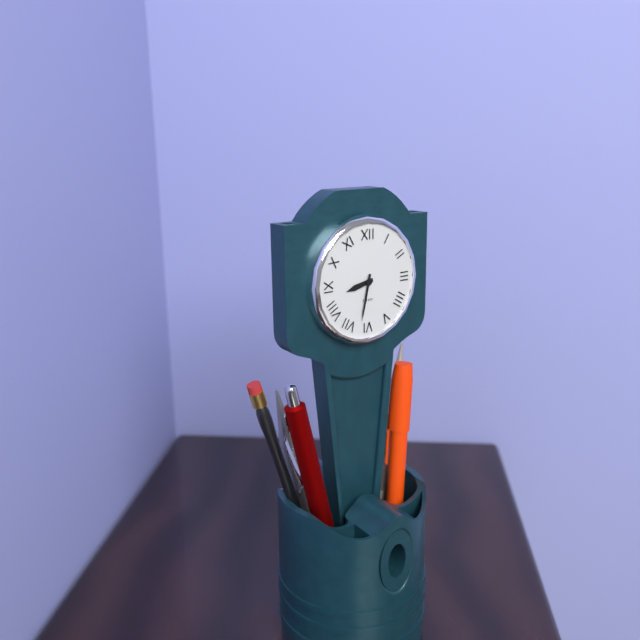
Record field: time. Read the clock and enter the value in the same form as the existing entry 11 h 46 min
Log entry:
8 h 32 min
